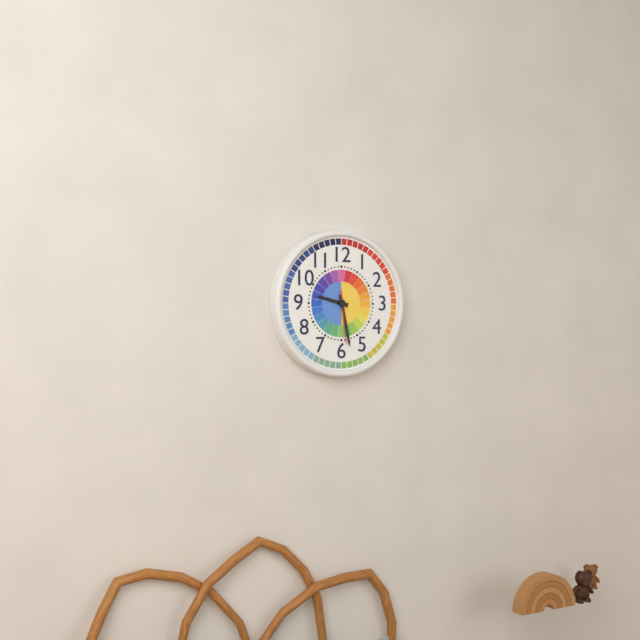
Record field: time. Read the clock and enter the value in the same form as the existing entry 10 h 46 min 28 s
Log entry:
9 h 28 min 29 s
